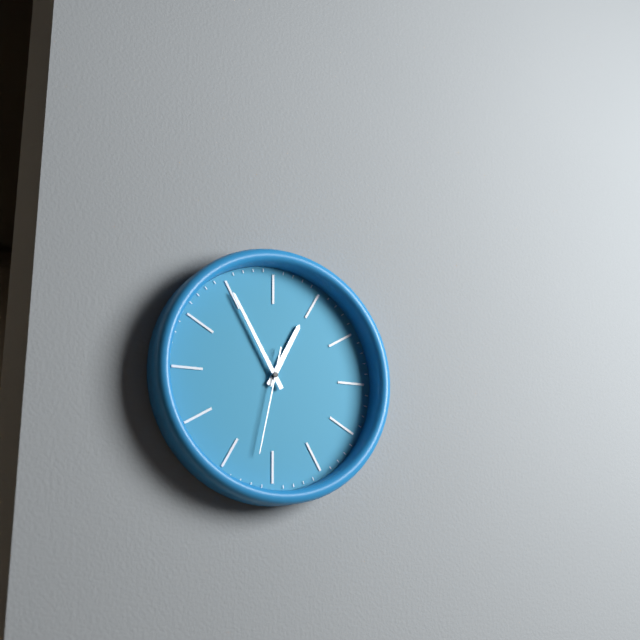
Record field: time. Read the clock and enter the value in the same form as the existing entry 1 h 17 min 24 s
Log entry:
12 h 55 min 32 s
